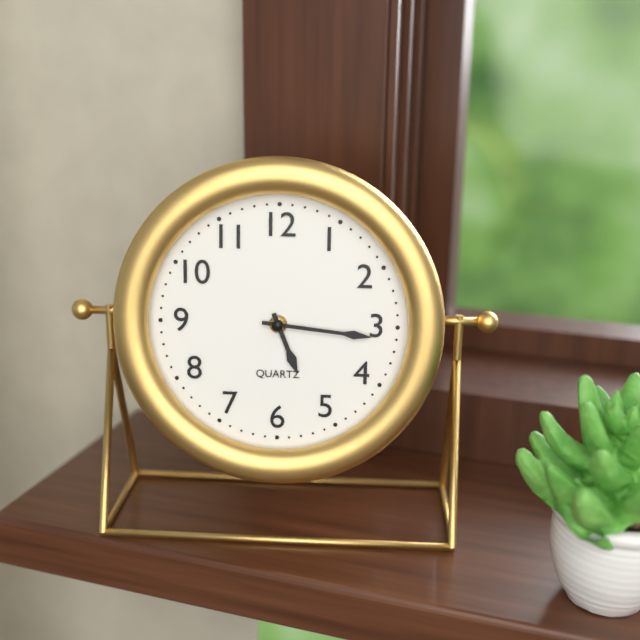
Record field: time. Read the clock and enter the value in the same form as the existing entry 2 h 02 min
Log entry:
5 h 16 min
